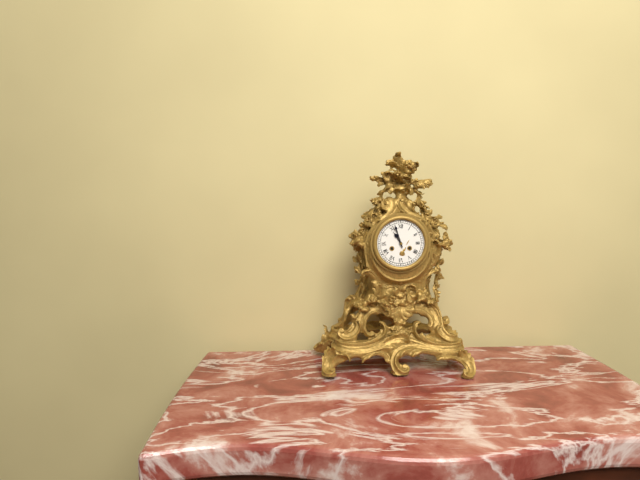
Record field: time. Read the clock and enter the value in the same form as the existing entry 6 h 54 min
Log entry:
10 h 57 min
